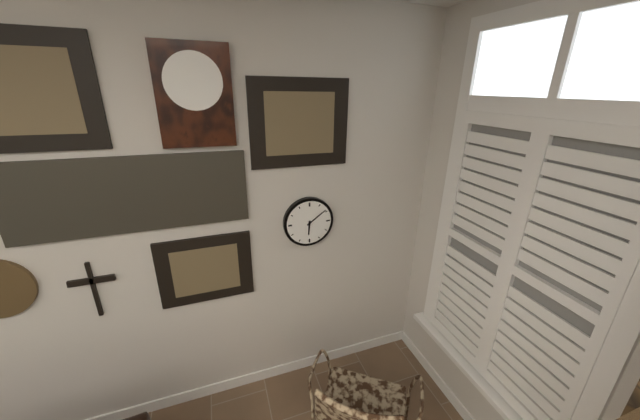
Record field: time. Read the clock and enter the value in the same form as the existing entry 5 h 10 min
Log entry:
6 h 09 min
